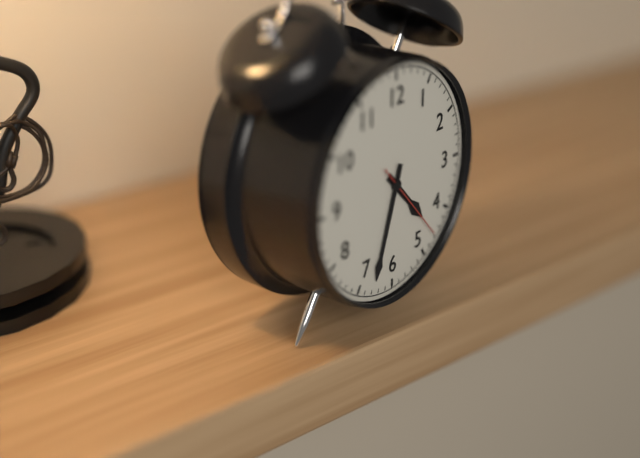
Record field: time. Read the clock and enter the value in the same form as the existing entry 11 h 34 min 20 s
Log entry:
4 h 33 min 23 s
